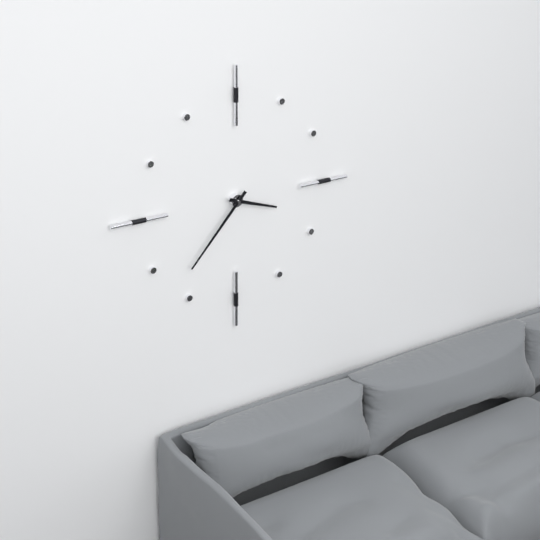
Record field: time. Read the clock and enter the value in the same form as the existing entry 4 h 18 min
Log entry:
3 h 37 min
